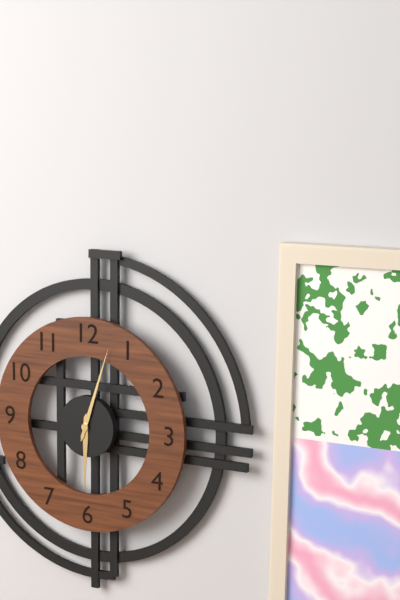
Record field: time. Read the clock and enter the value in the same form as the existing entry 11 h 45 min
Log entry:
6 h 03 min
